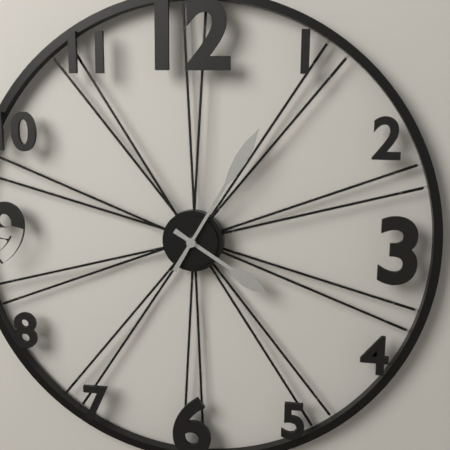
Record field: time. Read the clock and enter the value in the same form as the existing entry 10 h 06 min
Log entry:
4 h 05 min
